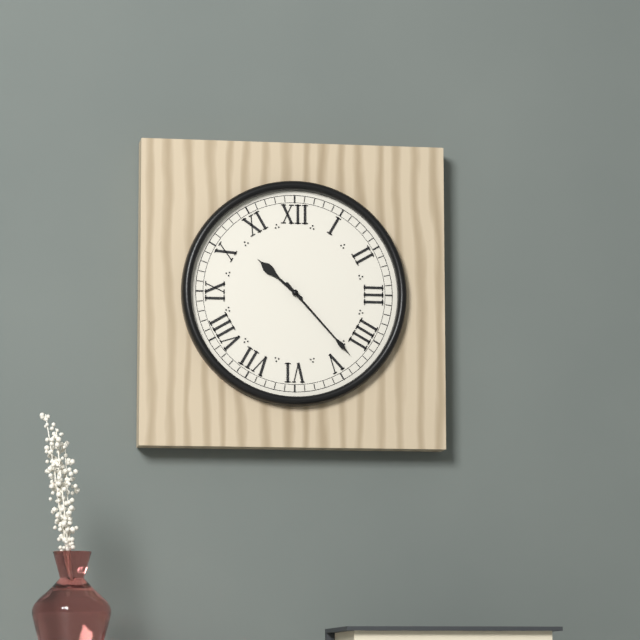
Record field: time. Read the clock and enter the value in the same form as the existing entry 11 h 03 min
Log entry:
10 h 23 min
